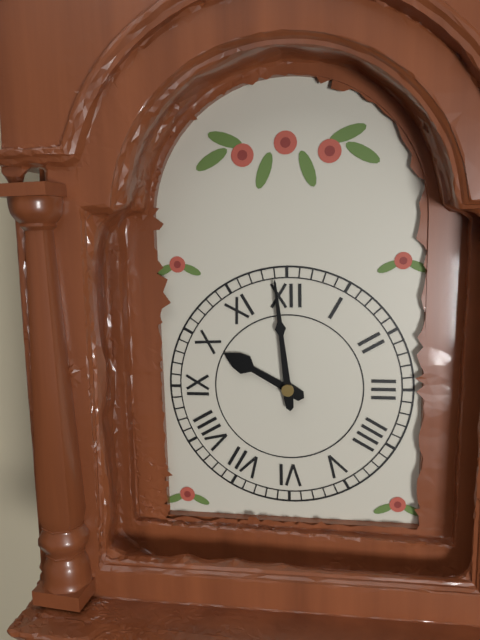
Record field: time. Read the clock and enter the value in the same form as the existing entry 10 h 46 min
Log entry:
9 h 59 min
